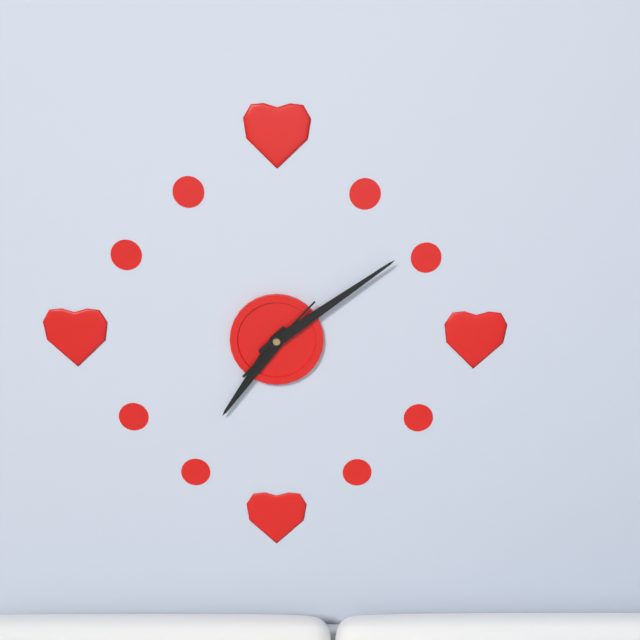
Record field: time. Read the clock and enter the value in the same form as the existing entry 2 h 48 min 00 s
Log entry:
7 h 09 min 07 s
